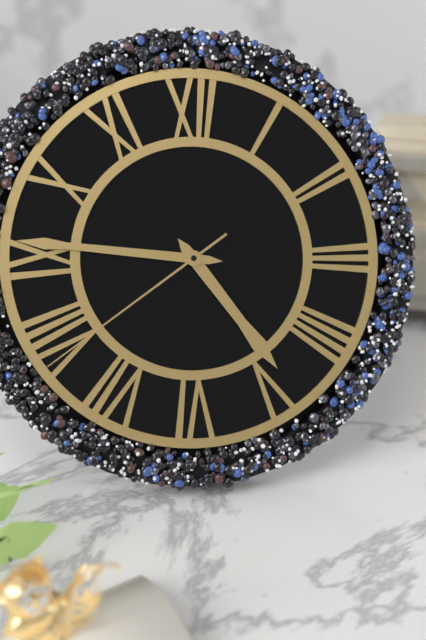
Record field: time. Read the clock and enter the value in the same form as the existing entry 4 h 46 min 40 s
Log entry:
4 h 46 min 39 s
